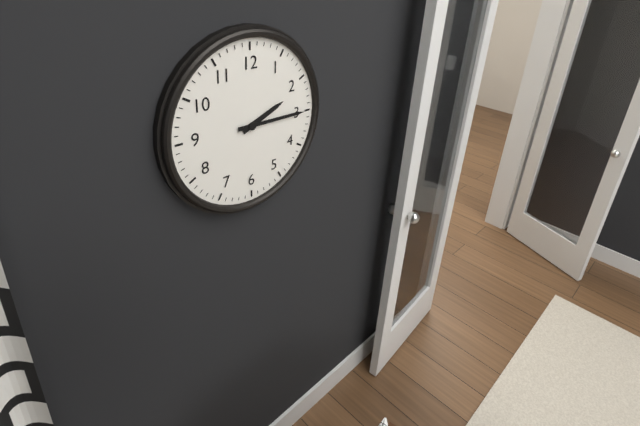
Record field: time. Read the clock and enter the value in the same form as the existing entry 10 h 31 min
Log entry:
2 h 15 min
